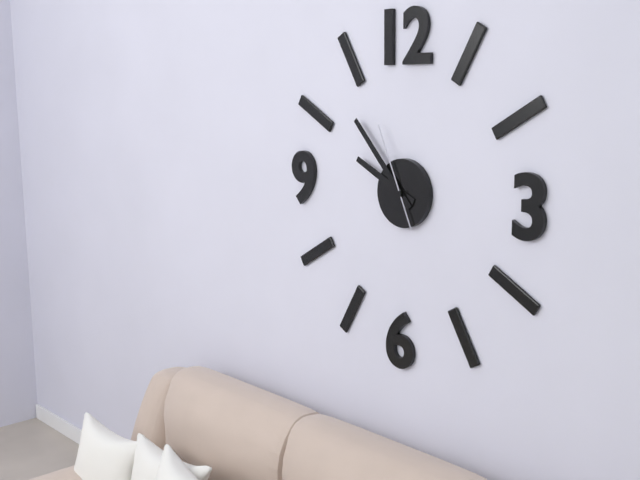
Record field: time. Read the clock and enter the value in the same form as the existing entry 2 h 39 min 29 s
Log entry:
9 h 53 min 56 s
